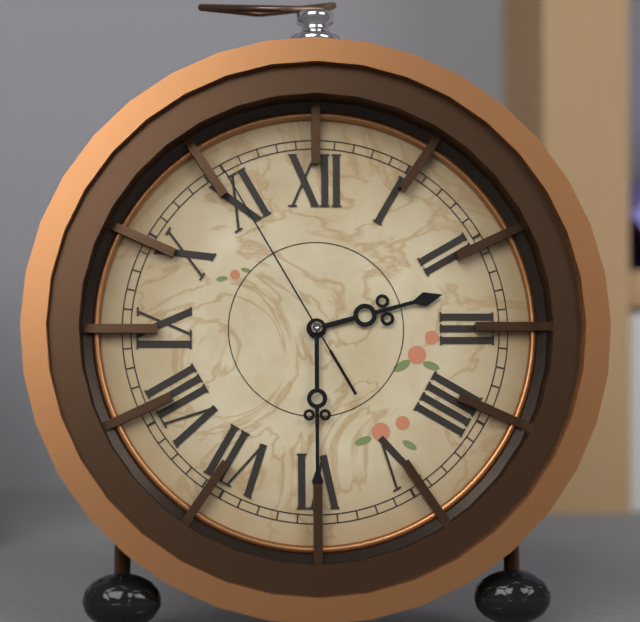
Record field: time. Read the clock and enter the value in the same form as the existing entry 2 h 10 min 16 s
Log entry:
2 h 30 min 55 s
